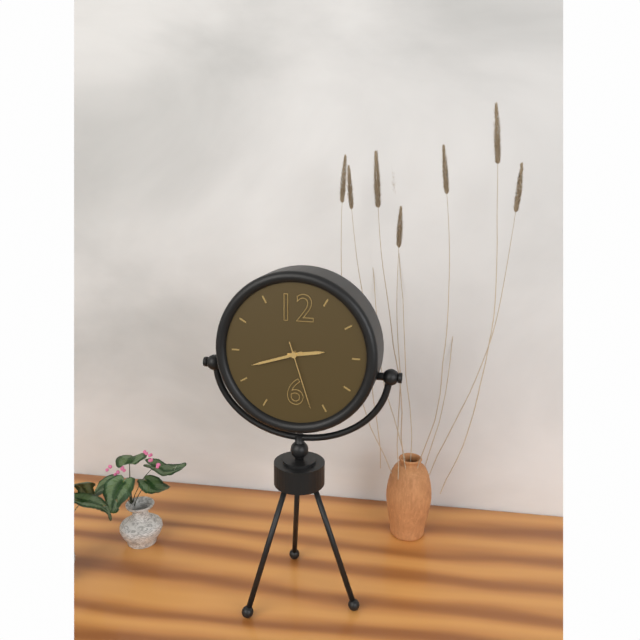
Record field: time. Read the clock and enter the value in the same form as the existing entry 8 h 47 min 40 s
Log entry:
2 h 42 min 27 s
